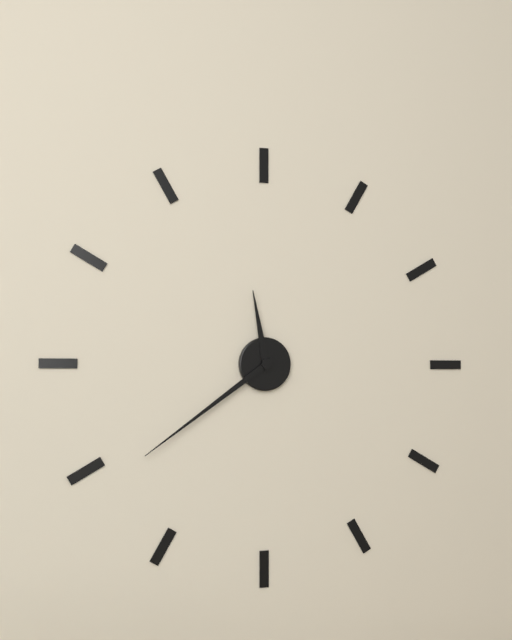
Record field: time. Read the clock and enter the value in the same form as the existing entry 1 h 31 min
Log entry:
11 h 39 min
